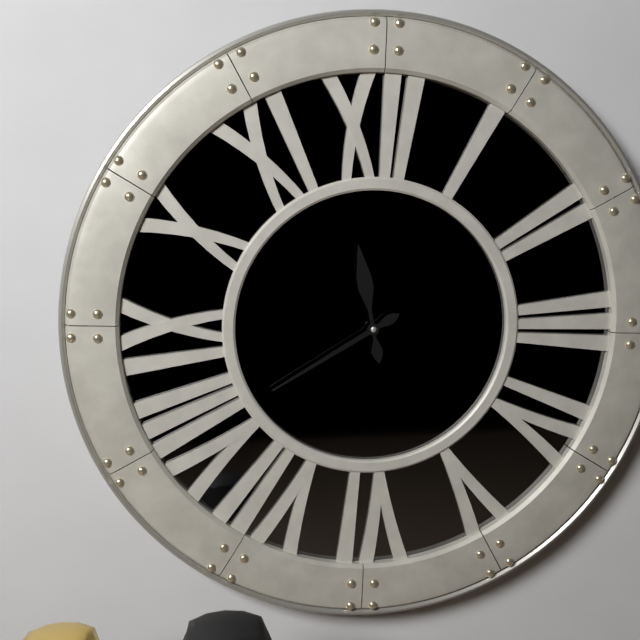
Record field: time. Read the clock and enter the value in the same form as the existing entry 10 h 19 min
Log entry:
11 h 40 min
